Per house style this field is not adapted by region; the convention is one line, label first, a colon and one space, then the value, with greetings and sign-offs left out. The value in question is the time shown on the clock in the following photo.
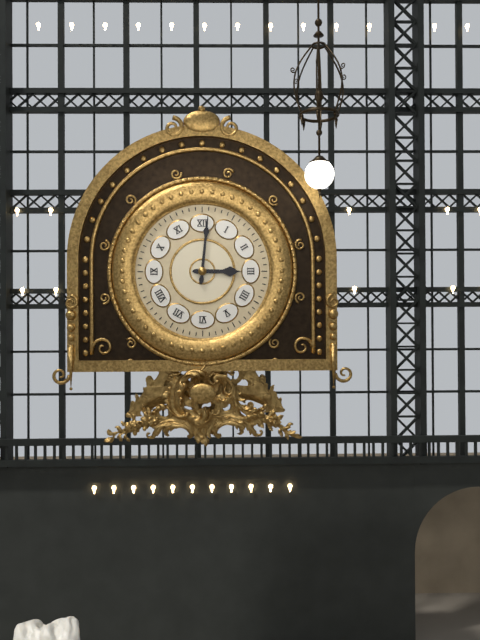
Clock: 3:01
